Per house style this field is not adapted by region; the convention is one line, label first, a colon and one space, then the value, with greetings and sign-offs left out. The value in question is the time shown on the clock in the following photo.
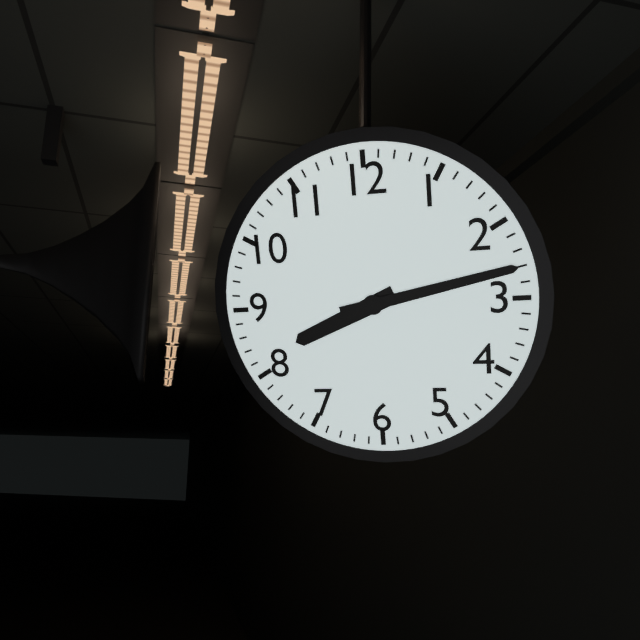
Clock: 8:13
